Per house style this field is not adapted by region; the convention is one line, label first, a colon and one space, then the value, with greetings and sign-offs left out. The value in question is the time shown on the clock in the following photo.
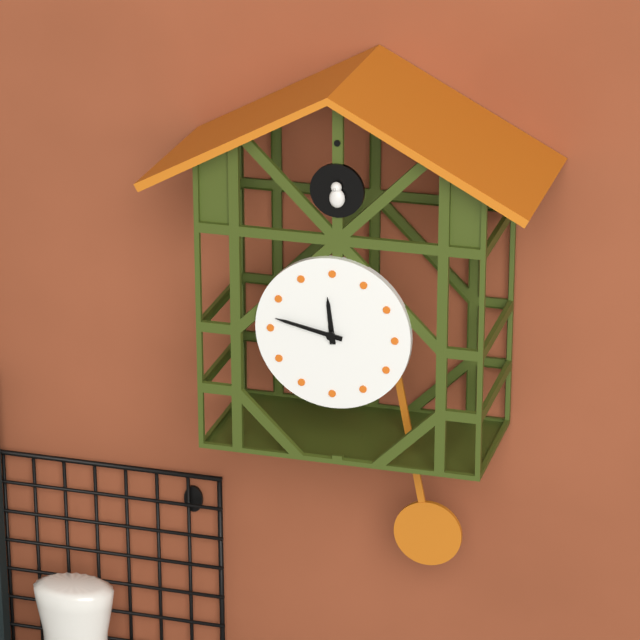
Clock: 11:47
